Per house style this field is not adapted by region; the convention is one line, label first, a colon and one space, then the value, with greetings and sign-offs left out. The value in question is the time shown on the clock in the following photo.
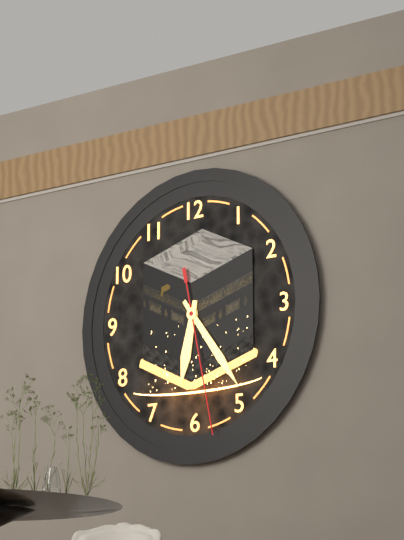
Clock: 6:24:28
